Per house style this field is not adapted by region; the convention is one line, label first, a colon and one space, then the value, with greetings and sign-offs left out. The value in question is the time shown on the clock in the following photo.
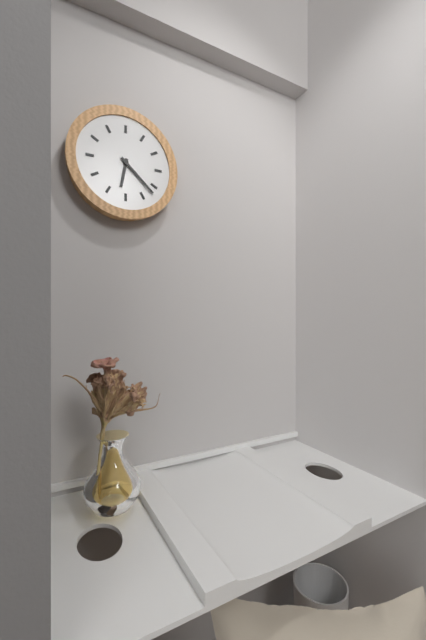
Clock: 6:22
